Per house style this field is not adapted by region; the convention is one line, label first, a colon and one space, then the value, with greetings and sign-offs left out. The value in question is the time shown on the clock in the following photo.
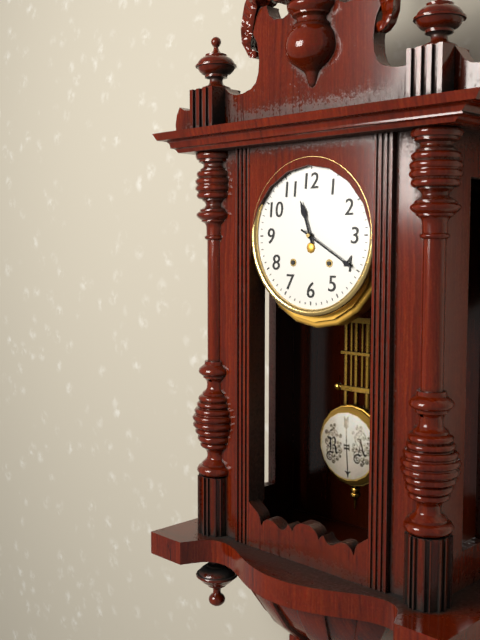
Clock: 11:20
